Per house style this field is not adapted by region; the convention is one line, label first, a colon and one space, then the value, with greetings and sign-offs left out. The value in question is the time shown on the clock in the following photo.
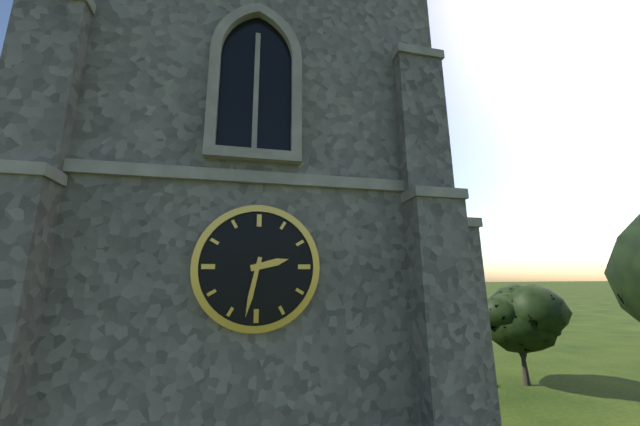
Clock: 2:32
